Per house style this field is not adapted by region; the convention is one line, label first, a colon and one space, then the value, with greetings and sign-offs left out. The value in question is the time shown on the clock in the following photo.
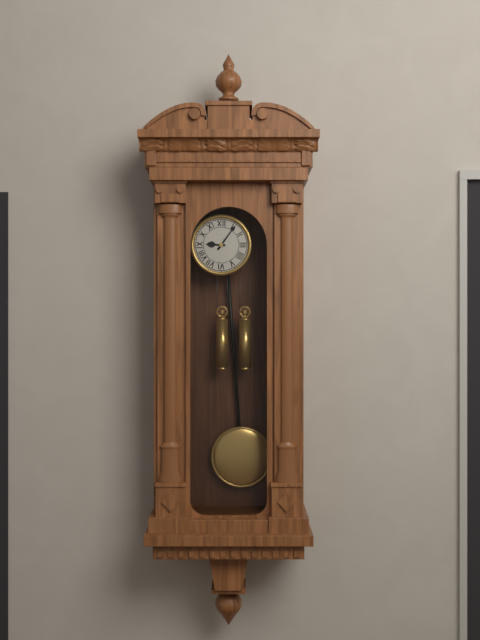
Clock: 9:06
